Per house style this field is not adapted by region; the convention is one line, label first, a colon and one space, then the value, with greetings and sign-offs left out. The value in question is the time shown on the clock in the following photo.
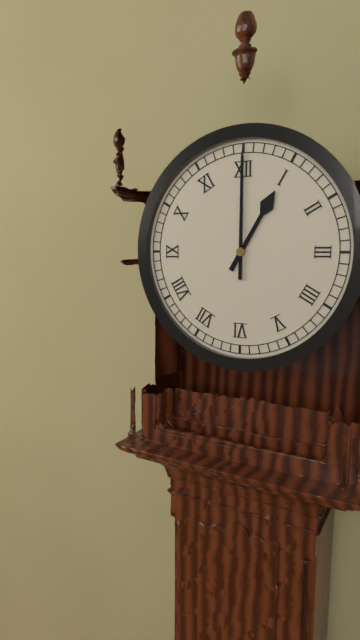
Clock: 1:00
